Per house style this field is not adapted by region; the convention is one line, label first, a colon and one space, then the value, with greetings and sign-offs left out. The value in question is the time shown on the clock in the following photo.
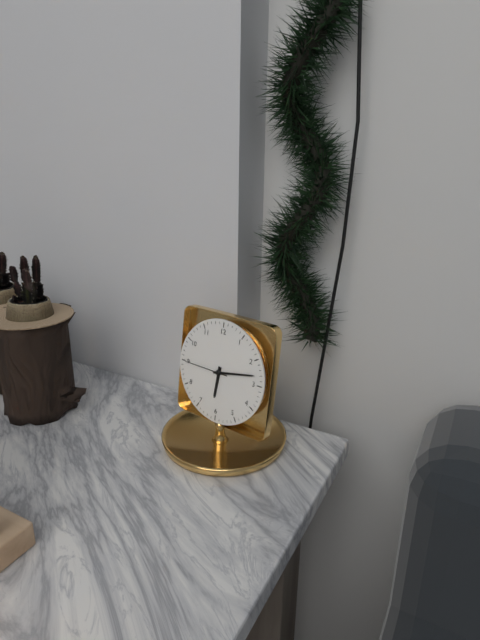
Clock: 6:13:45
